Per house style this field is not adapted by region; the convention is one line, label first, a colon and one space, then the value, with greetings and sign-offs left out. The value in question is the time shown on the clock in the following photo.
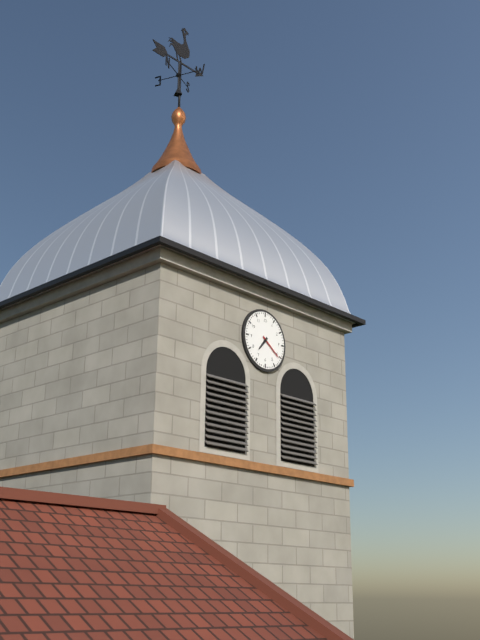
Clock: 7:21
